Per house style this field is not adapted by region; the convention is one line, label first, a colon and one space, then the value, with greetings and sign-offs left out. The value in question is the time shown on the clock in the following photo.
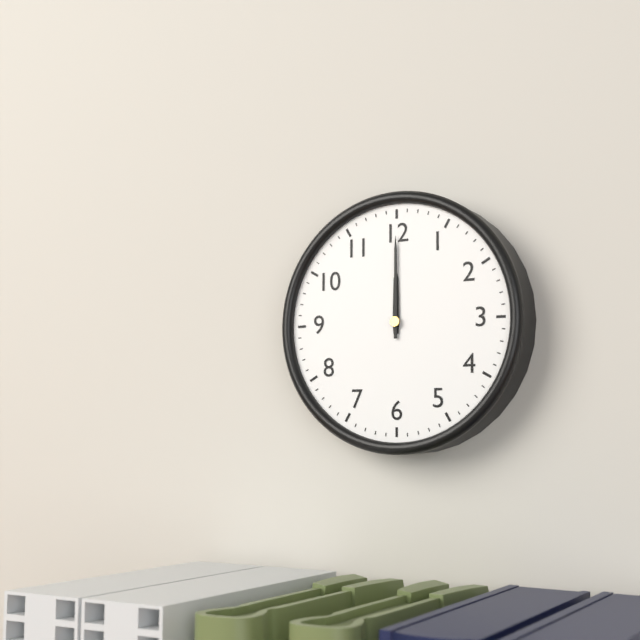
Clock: 12:00
